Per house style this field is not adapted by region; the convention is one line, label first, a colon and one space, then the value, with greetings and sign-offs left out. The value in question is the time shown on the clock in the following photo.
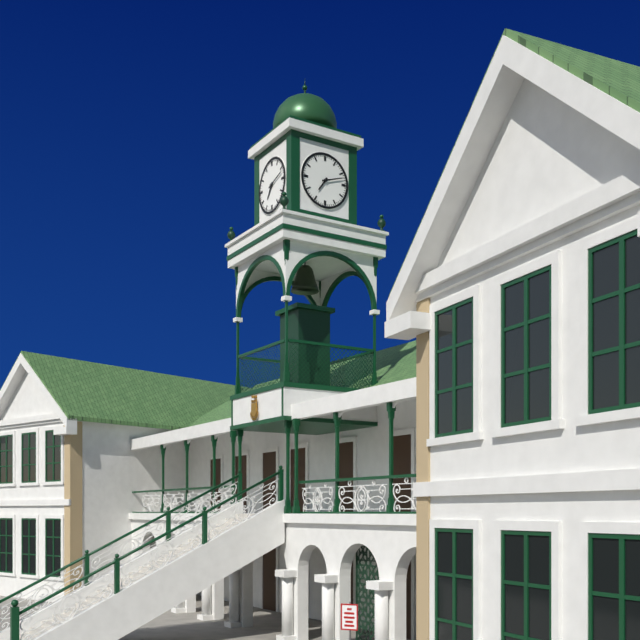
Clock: 7:12
